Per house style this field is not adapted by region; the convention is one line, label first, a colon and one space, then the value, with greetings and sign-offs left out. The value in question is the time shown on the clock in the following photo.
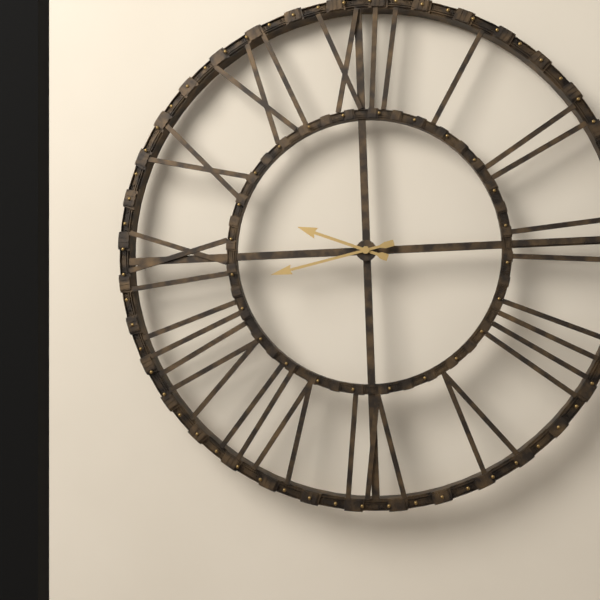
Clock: 9:43
